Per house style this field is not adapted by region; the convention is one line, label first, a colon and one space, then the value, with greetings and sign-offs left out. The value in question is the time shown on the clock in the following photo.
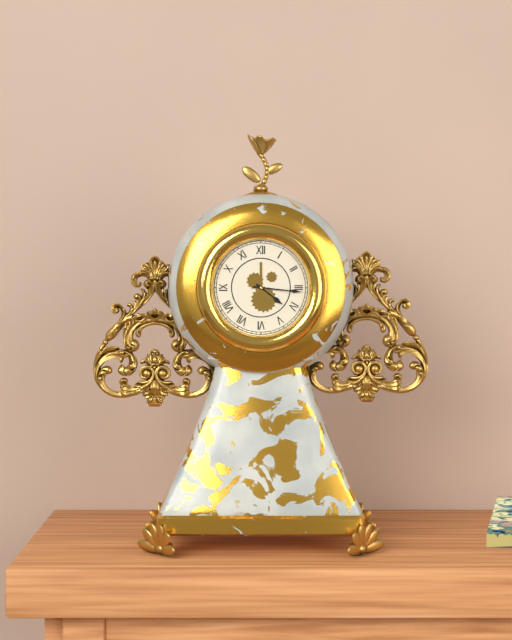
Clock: 4:16
